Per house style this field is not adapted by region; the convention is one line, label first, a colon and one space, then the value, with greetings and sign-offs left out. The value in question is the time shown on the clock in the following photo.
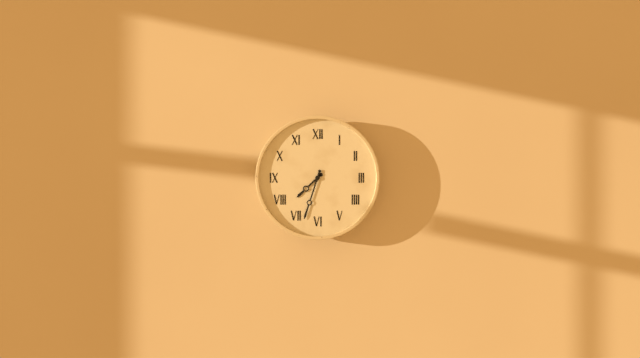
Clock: 7:33
